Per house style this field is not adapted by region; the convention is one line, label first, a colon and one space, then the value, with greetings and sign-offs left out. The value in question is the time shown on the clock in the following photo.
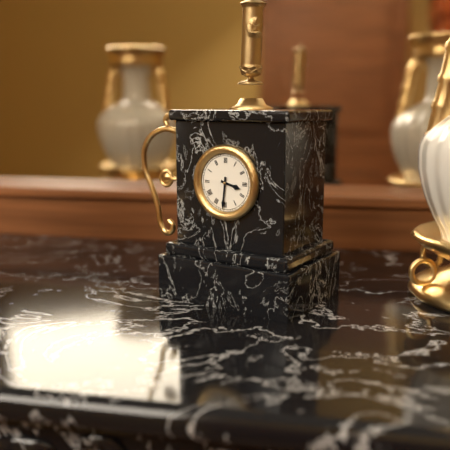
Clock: 3:31
